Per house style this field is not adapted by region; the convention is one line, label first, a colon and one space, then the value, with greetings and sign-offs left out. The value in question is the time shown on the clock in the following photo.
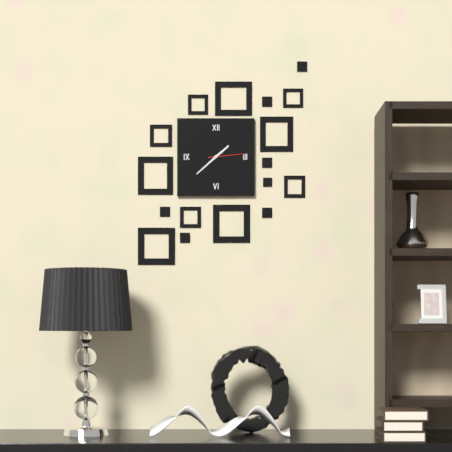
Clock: 1:38
